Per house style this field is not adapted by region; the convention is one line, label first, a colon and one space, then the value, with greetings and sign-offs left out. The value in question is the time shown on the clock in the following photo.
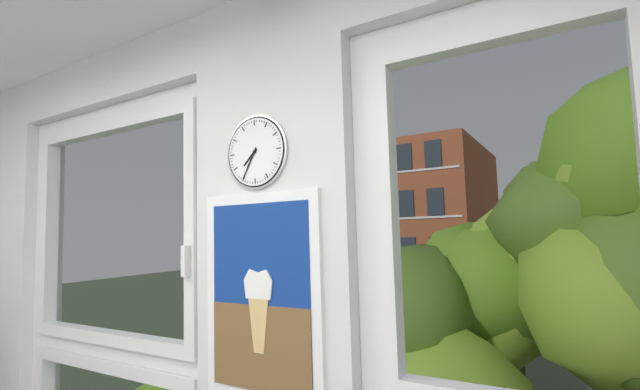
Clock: 7:35
